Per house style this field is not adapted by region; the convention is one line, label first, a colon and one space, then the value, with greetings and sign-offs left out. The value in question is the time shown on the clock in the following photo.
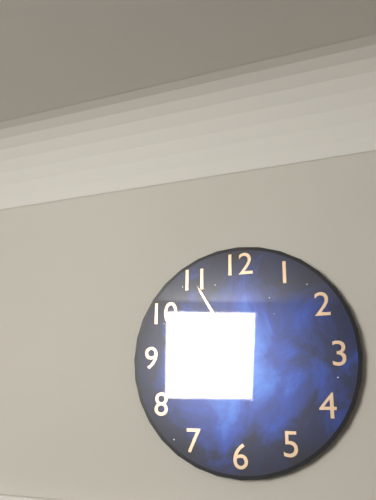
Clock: 9:55
